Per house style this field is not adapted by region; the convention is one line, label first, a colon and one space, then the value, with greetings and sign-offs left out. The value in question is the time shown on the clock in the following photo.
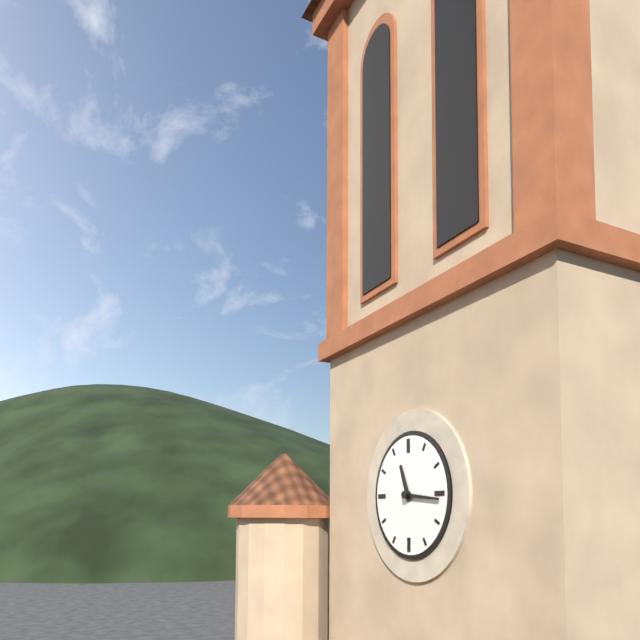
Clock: 11:16
